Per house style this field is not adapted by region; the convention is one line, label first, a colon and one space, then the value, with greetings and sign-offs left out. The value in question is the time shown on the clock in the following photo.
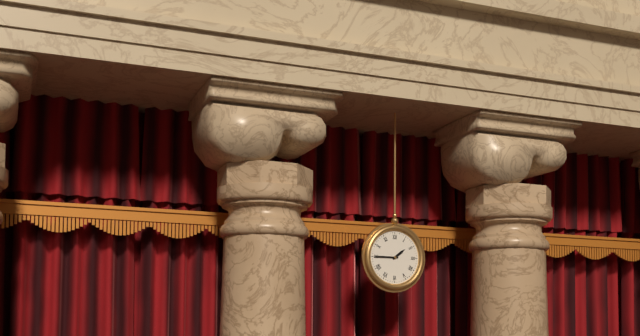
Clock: 1:45
